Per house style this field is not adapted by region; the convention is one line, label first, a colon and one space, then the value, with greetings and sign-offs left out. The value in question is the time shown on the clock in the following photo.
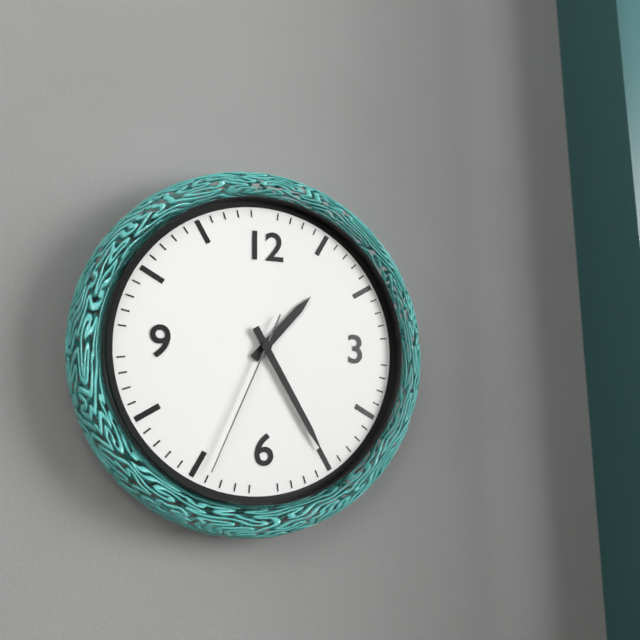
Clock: 1:25:34
